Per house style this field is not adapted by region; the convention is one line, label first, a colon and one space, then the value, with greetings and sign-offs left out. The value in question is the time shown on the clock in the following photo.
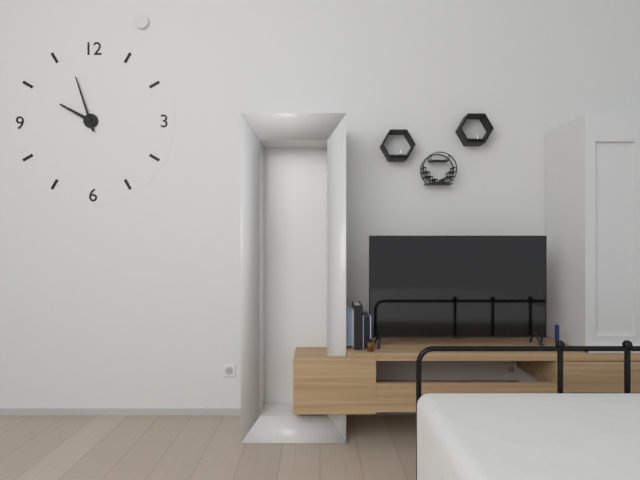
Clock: 9:57
